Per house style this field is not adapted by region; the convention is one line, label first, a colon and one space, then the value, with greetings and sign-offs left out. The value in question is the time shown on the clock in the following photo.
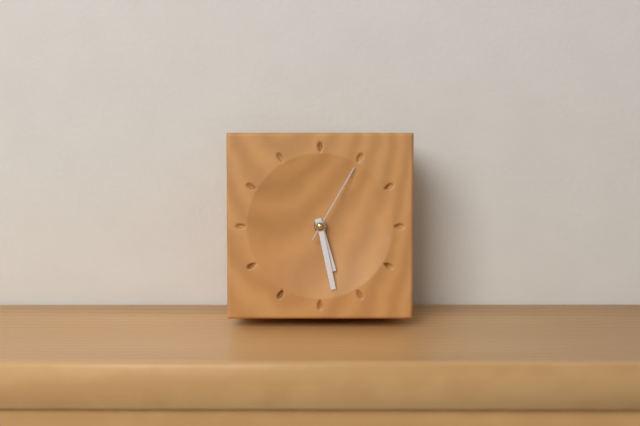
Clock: 5:28:05
